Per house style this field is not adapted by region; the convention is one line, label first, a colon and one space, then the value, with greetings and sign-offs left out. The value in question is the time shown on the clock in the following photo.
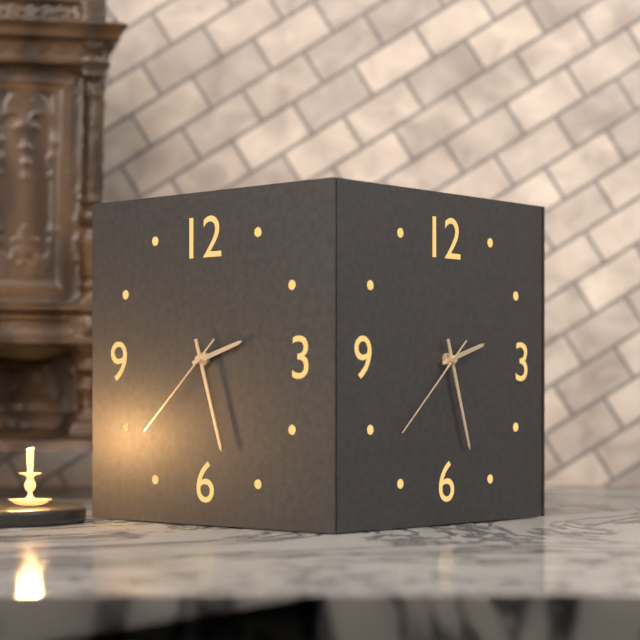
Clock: 2:27:38
